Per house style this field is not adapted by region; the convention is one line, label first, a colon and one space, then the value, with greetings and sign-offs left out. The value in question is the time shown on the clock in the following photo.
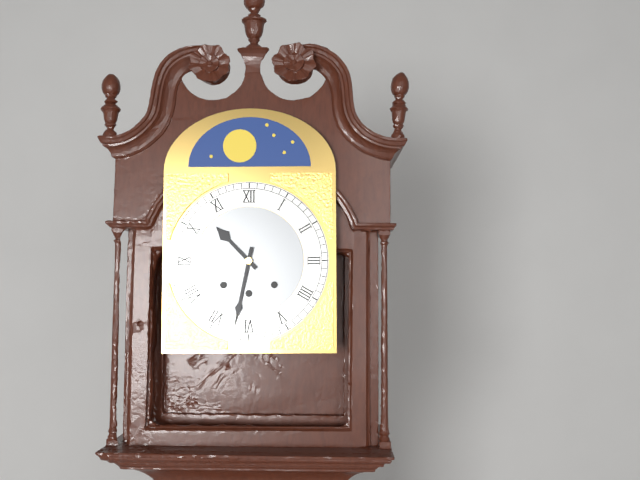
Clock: 10:32
